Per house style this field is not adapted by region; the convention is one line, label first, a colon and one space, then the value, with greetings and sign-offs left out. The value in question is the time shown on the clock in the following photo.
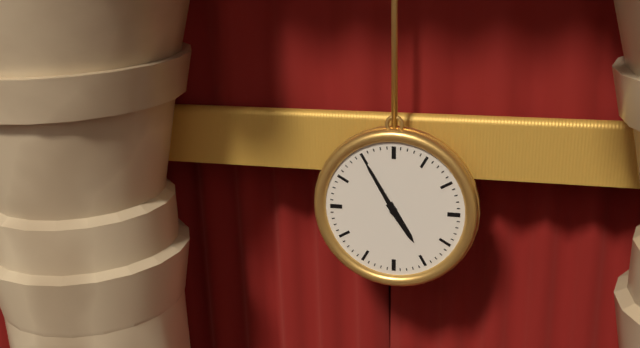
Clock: 4:55
